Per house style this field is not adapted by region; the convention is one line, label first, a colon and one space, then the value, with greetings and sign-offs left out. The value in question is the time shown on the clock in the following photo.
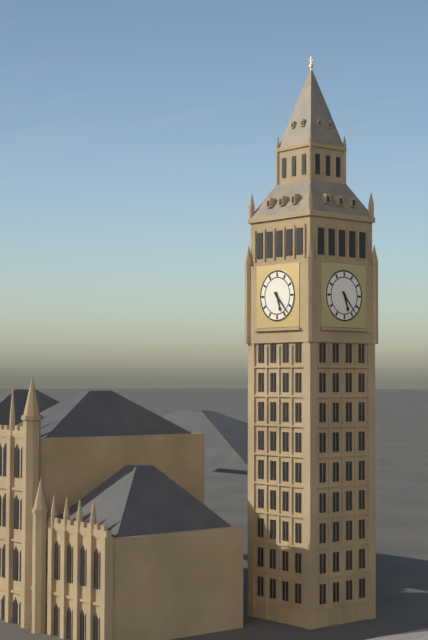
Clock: 5:23
